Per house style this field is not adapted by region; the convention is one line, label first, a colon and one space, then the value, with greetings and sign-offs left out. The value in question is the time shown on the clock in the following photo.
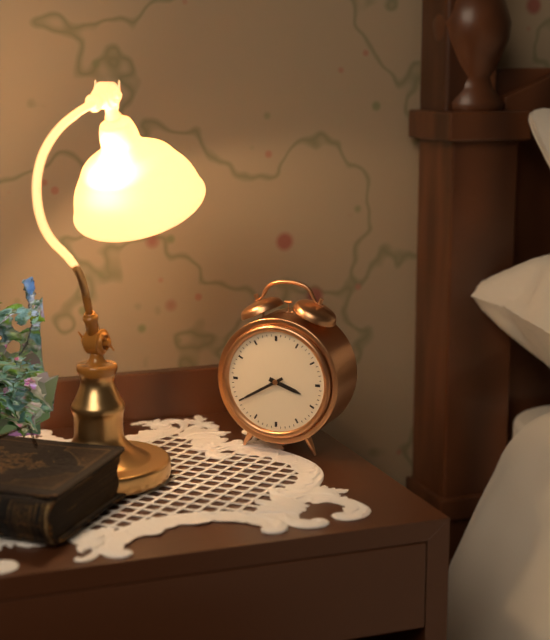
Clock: 3:40
